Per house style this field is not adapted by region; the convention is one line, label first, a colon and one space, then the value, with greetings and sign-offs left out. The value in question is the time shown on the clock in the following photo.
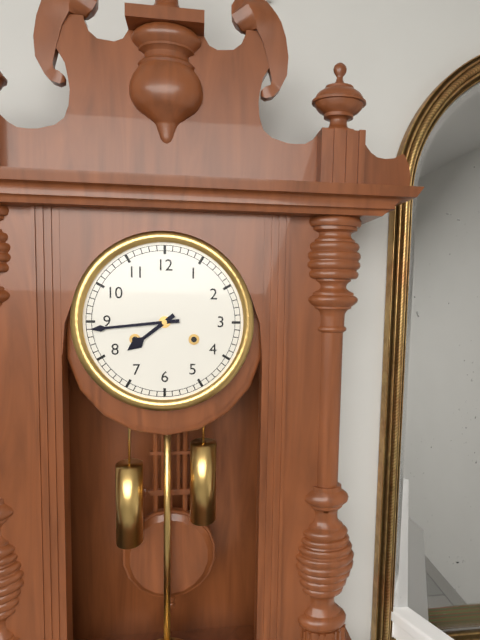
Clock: 7:44
